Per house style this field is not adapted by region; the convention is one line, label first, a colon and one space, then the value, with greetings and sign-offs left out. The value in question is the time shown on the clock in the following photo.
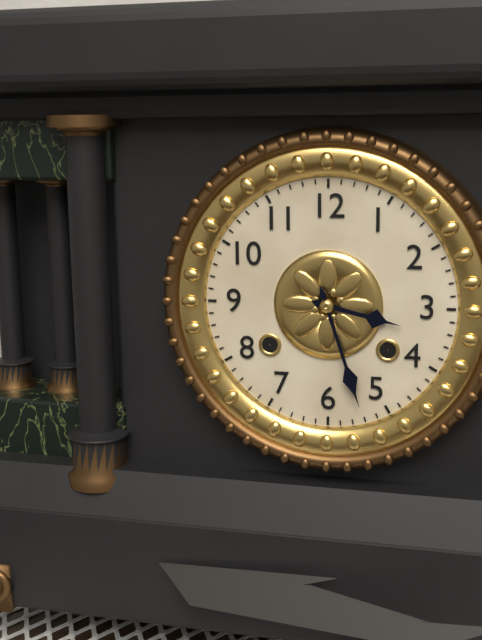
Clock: 3:27
